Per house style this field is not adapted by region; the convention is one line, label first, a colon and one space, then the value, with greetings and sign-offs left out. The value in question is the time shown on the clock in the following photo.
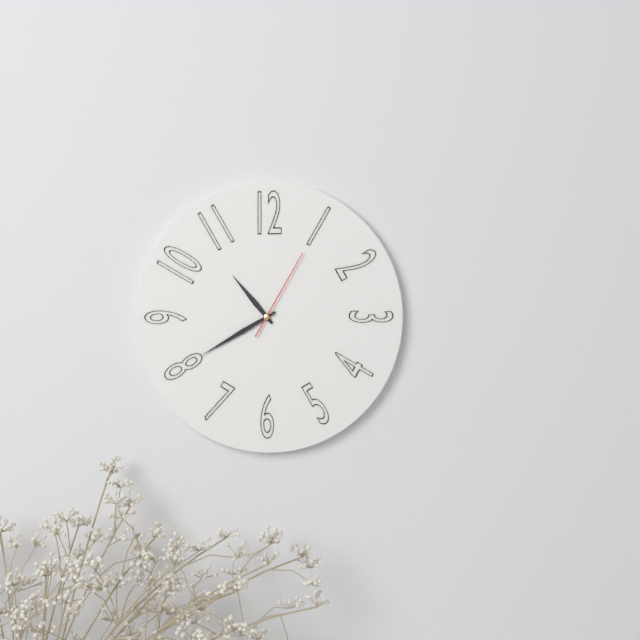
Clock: 10:40:05
